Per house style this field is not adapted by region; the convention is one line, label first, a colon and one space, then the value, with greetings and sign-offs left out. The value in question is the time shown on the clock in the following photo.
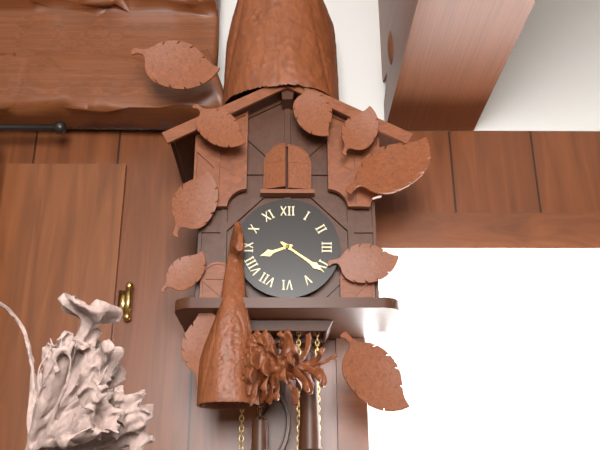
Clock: 8:21
